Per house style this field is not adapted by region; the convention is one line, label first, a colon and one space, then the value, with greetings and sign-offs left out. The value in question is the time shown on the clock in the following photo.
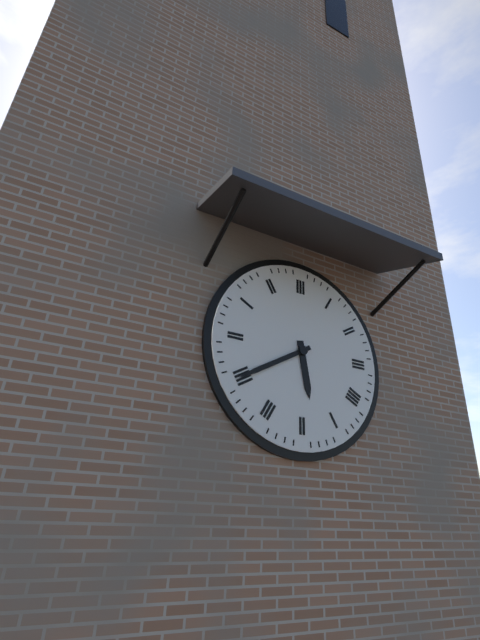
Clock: 5:40
